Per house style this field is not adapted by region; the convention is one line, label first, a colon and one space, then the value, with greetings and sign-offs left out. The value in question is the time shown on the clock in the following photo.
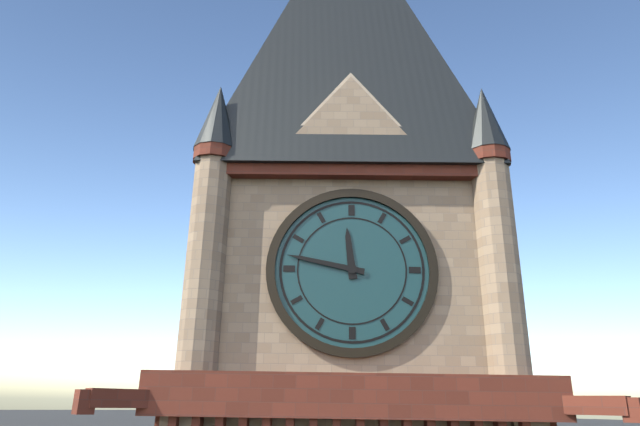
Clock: 11:47
